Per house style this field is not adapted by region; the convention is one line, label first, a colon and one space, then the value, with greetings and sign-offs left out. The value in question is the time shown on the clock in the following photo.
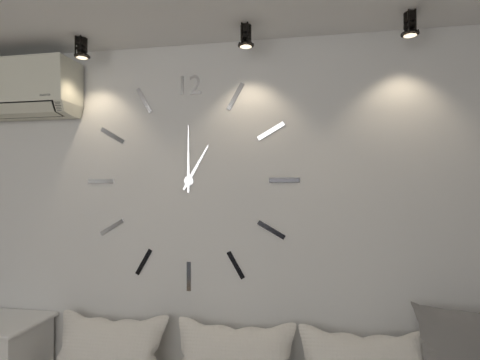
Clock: 1:00
